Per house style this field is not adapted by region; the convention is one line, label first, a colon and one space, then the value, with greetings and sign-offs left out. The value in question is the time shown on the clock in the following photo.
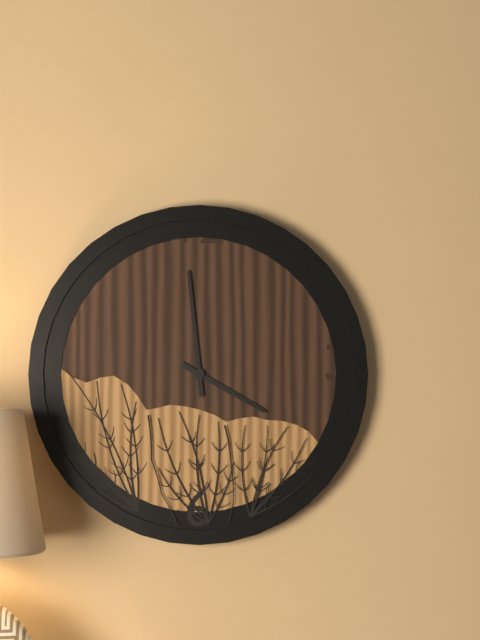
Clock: 3:59
